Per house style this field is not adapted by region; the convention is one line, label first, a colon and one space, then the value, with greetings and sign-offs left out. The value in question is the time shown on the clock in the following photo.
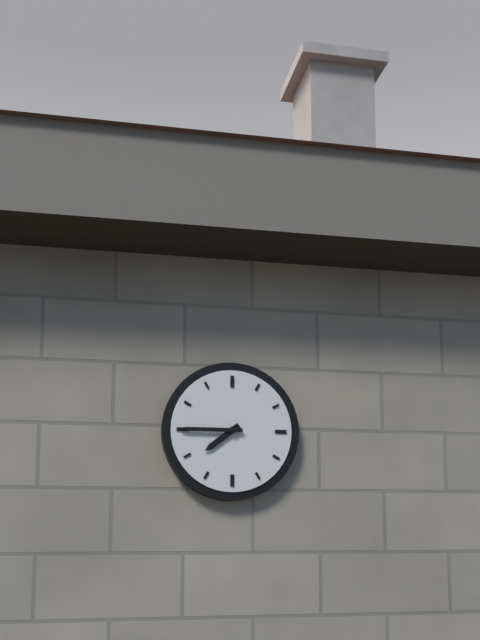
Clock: 7:45
